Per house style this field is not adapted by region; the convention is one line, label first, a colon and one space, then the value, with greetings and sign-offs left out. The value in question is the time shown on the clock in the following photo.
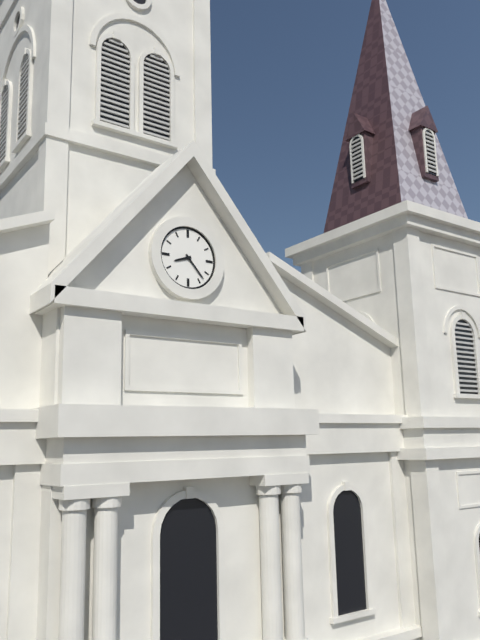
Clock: 8:23
